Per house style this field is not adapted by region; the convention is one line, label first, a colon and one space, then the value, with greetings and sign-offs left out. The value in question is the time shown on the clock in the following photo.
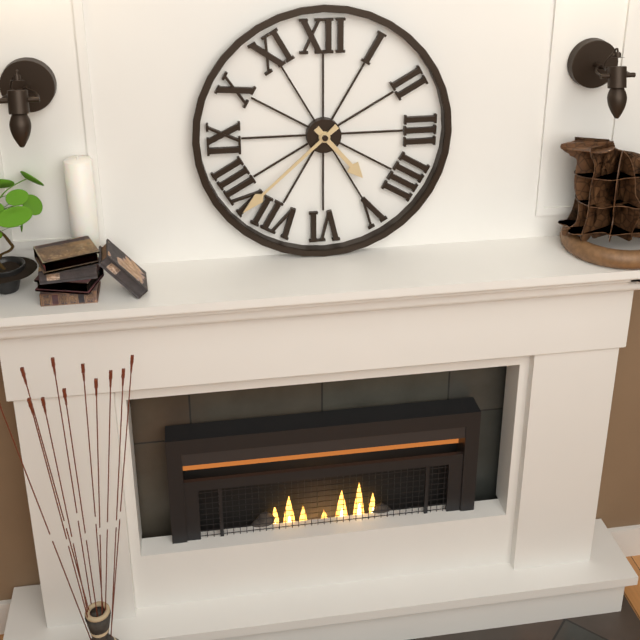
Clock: 4:38
